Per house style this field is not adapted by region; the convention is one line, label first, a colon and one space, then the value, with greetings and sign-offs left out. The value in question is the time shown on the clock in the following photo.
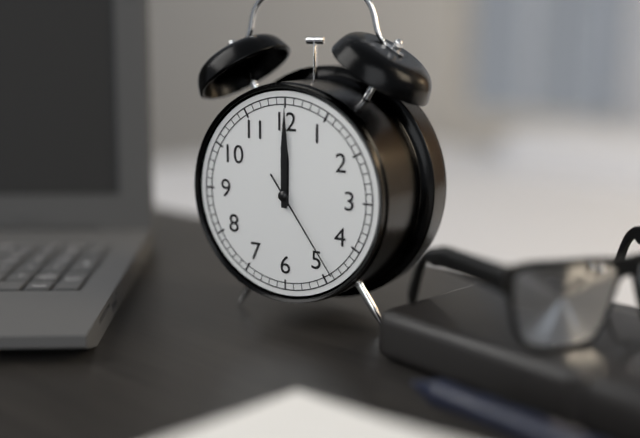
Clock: 12:00:24
